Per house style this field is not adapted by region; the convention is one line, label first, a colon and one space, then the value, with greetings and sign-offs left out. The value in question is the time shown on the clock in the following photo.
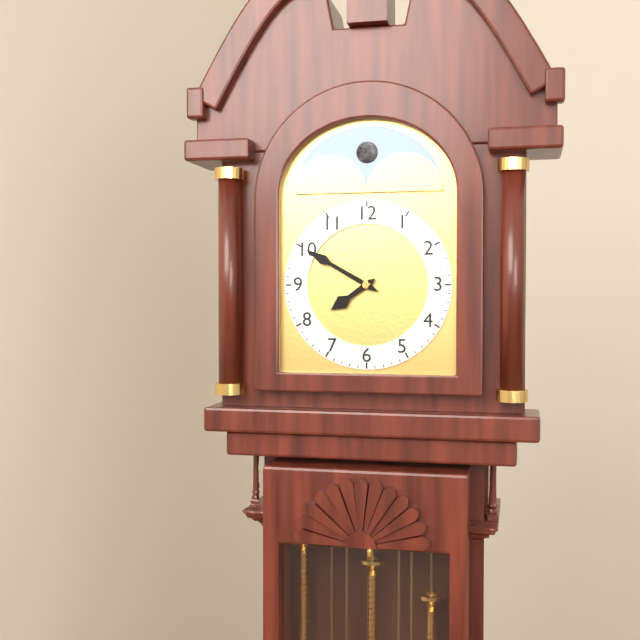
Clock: 7:50
